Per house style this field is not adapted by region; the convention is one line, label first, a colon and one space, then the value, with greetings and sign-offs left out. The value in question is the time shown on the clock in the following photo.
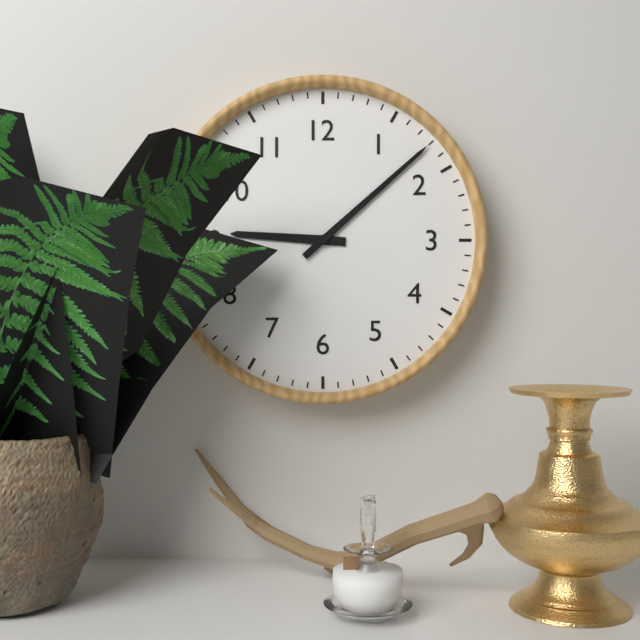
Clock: 9:08
